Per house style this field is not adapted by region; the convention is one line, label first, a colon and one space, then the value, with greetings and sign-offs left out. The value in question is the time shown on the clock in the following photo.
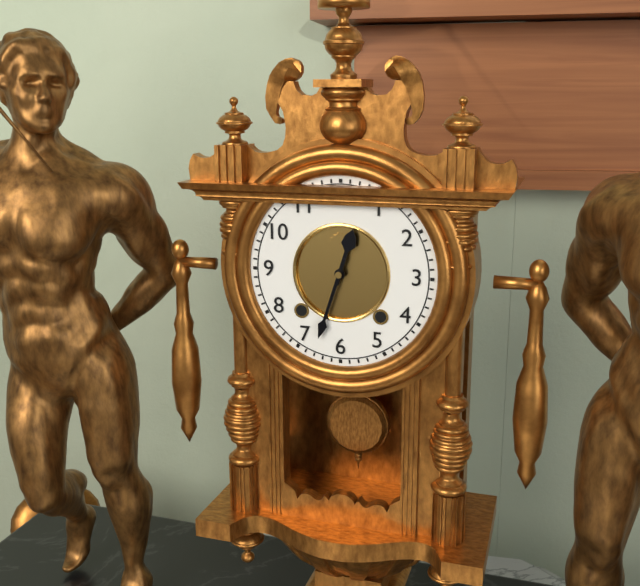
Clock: 12:33
